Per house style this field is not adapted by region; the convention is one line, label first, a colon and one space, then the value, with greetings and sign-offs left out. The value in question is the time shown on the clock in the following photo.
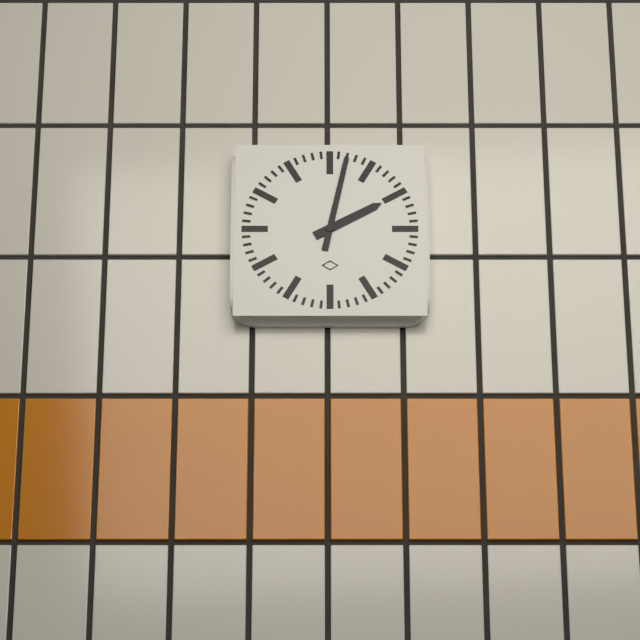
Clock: 2:02
